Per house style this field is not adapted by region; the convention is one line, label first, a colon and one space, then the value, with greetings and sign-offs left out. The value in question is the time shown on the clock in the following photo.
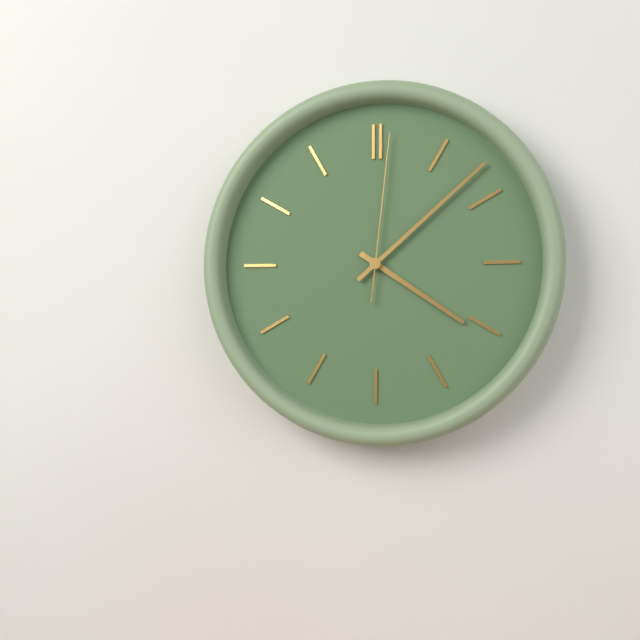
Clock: 4:08:01
